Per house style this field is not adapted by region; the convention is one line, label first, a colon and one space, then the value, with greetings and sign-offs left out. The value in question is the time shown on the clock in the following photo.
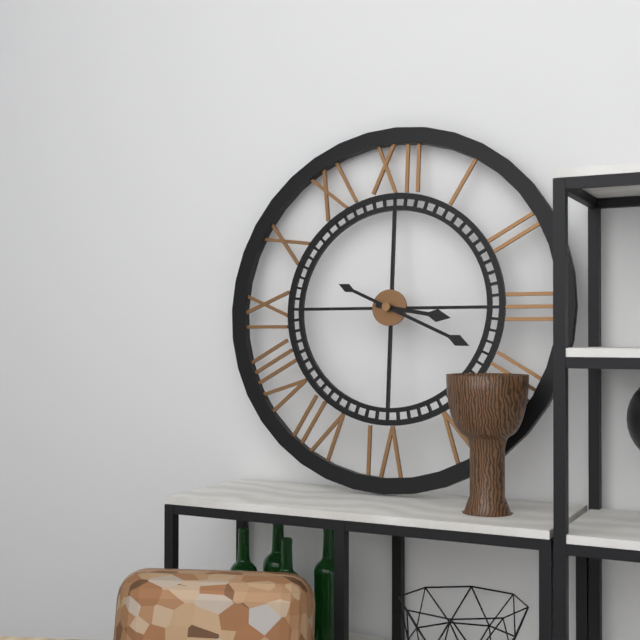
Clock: 3:19
